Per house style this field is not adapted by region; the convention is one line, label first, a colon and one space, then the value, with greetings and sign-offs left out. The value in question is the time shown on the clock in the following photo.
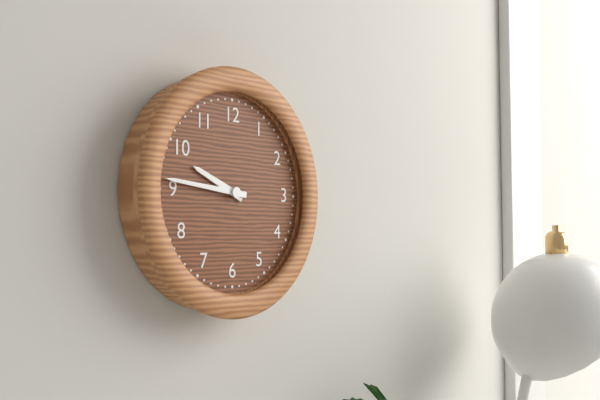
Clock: 9:46
